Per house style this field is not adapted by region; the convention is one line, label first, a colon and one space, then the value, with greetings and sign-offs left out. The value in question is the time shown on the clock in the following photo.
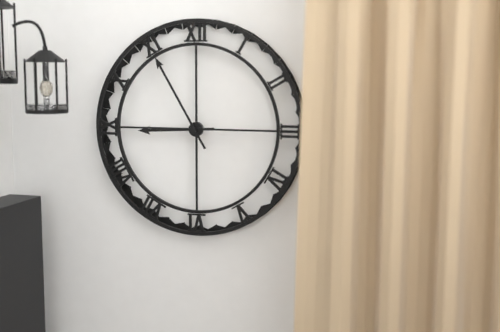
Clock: 8:55
